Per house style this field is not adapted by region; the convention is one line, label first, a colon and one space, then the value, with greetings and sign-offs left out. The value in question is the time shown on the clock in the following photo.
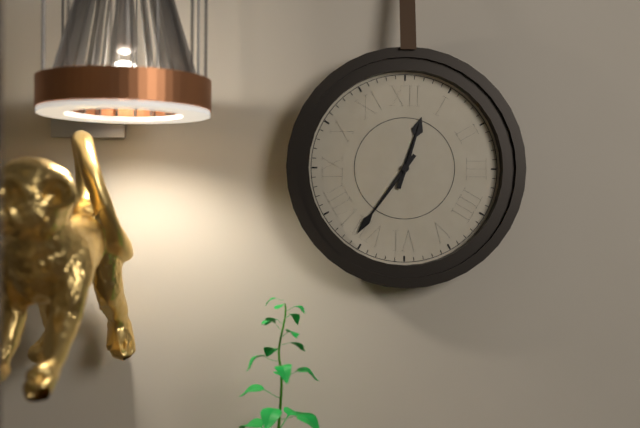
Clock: 12:36:03
